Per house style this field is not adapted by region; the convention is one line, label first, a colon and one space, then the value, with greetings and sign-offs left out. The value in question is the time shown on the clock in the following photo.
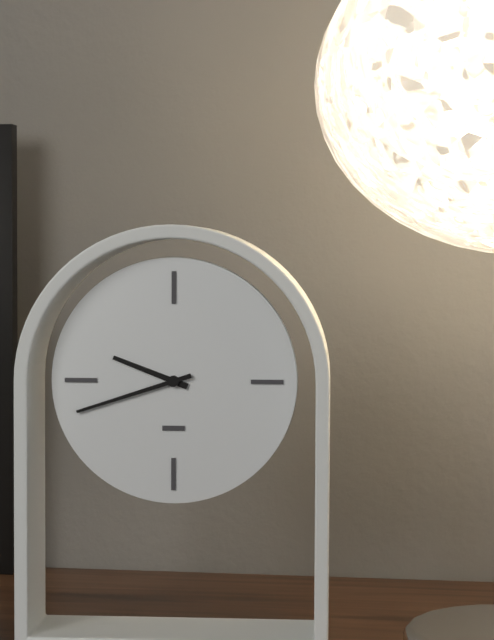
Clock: 9:42
